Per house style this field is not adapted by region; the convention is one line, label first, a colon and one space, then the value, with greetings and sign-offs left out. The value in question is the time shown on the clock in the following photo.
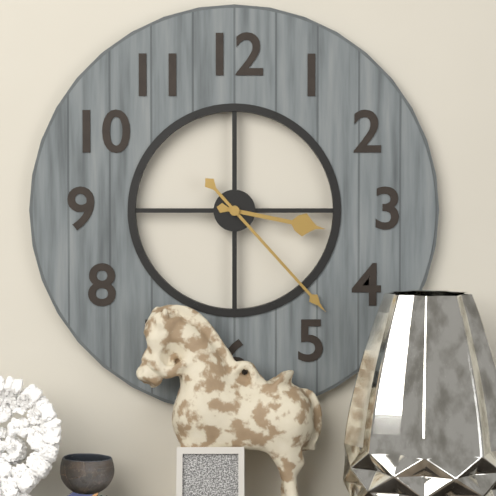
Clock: 3:23
